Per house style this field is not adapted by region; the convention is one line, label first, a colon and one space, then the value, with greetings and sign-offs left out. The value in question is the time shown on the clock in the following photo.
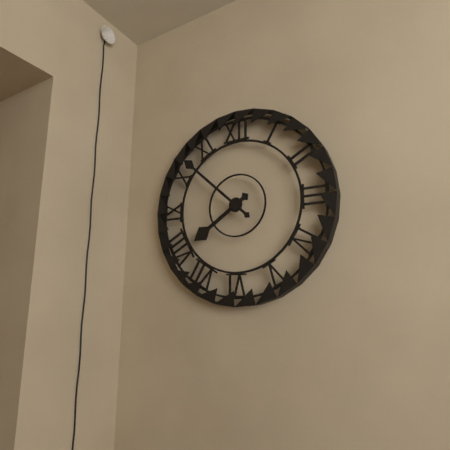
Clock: 7:52
